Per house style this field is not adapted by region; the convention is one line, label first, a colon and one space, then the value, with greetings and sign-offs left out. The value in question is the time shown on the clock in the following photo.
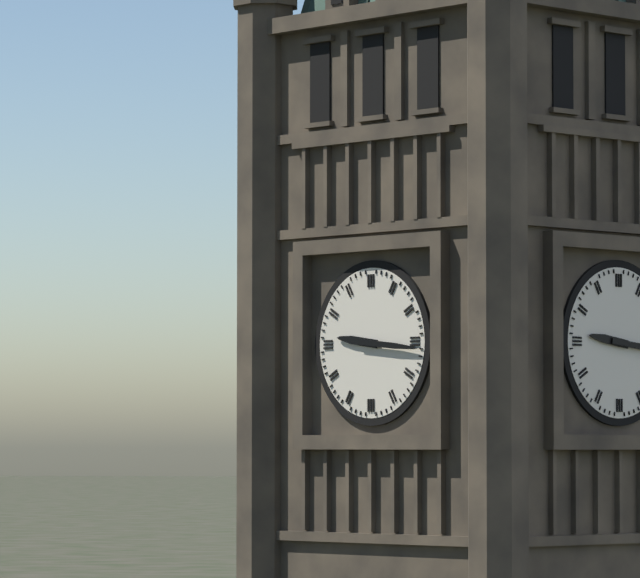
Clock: 9:16
